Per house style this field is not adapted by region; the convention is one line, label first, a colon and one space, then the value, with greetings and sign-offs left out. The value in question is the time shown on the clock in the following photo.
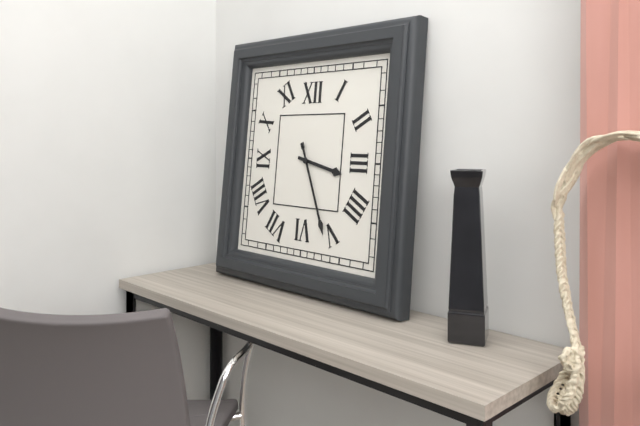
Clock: 3:26
